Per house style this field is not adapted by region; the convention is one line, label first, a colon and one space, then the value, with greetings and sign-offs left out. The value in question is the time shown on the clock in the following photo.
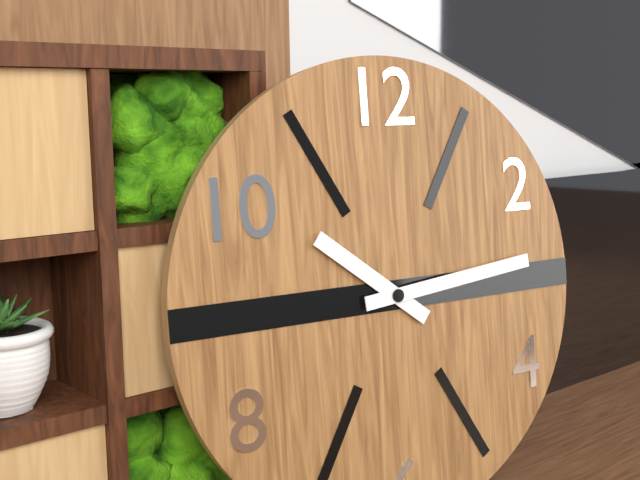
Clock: 10:14
